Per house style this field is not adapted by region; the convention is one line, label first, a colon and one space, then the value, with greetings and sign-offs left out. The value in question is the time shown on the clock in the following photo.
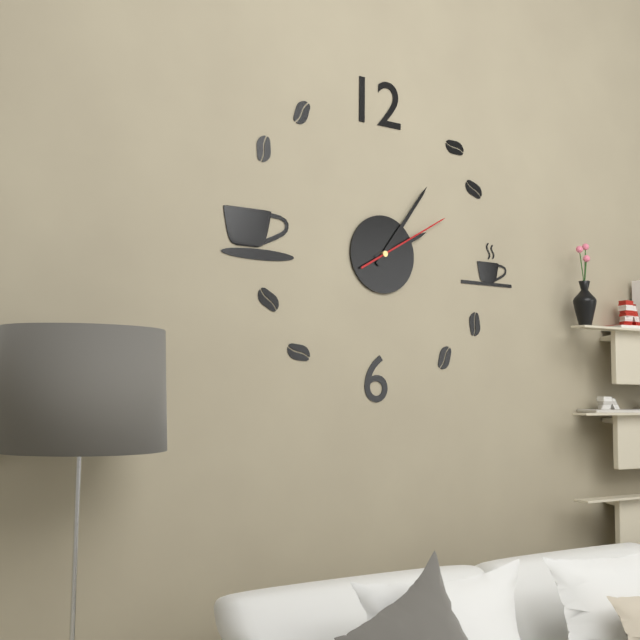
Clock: 2:06:10
